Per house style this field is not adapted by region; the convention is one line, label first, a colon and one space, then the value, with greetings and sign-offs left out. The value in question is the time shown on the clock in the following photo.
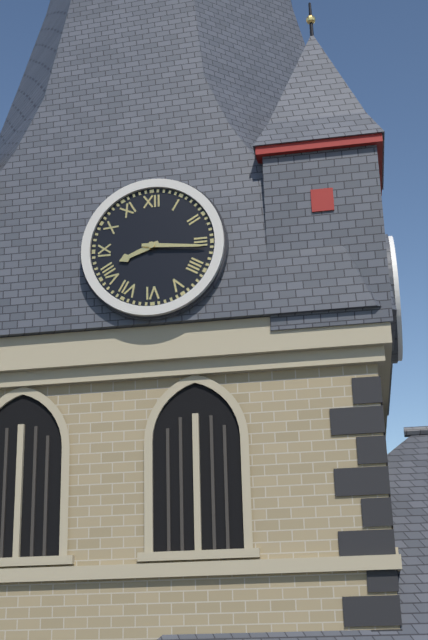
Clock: 8:16
